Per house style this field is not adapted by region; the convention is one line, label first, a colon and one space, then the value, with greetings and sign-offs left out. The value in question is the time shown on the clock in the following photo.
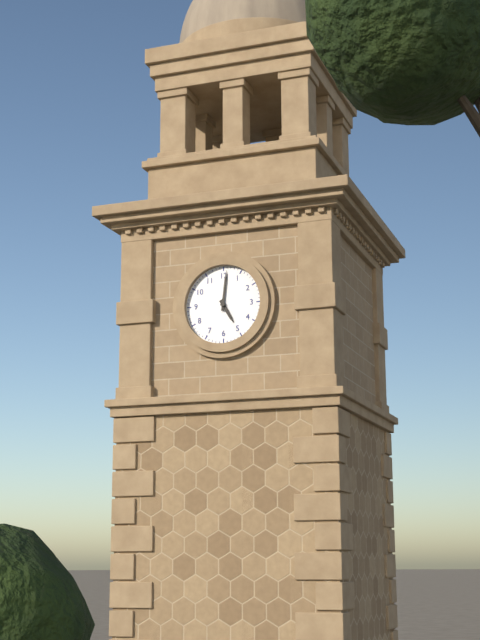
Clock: 5:01
